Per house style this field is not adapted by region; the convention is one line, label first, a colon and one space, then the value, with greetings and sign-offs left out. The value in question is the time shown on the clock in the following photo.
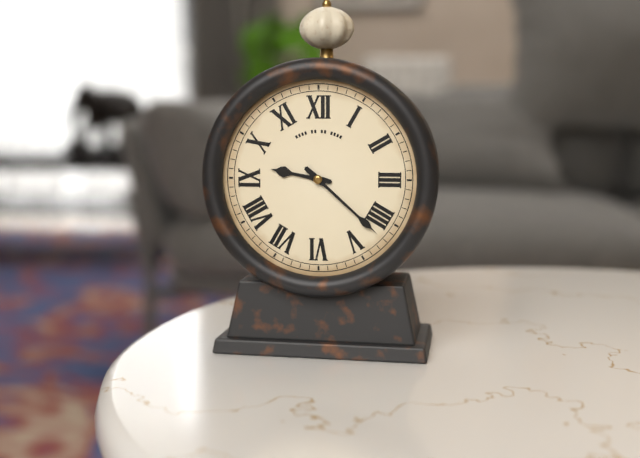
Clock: 9:22
